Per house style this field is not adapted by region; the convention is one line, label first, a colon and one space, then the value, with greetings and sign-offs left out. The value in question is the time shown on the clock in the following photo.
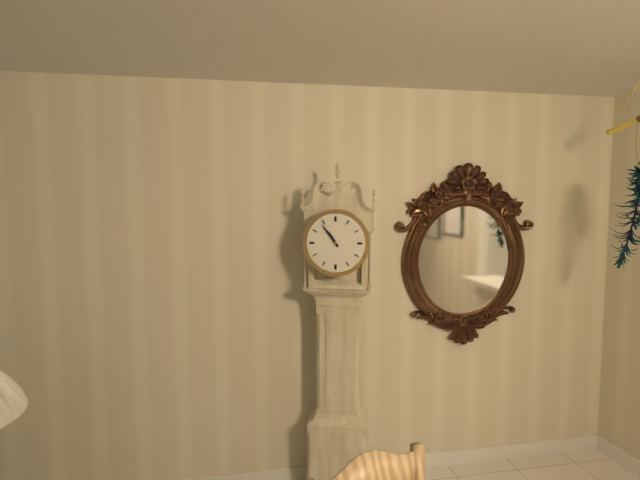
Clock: 10:54
